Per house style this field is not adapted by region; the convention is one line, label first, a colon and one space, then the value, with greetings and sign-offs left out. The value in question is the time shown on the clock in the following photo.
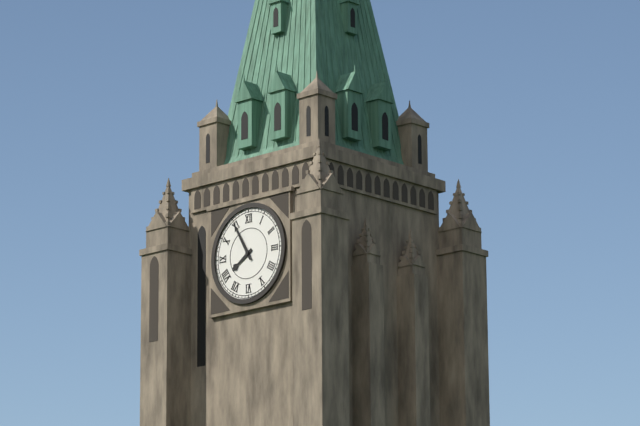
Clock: 7:55
